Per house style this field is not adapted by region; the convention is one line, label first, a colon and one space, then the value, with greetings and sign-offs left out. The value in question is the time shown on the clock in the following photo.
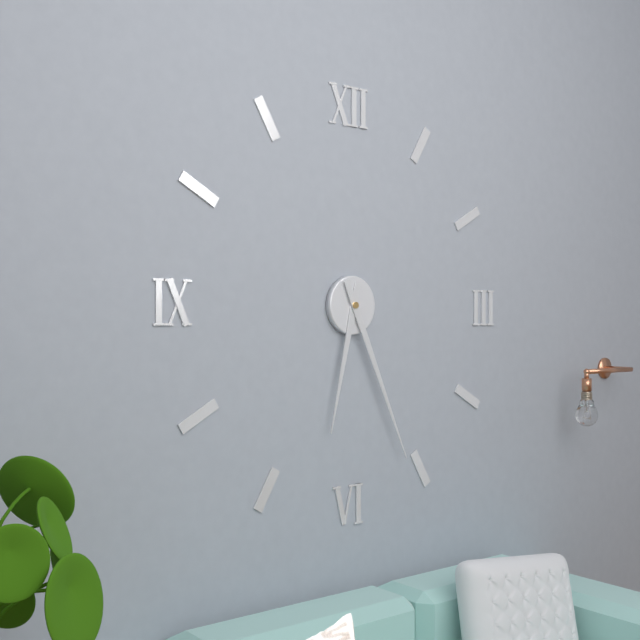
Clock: 6:26
